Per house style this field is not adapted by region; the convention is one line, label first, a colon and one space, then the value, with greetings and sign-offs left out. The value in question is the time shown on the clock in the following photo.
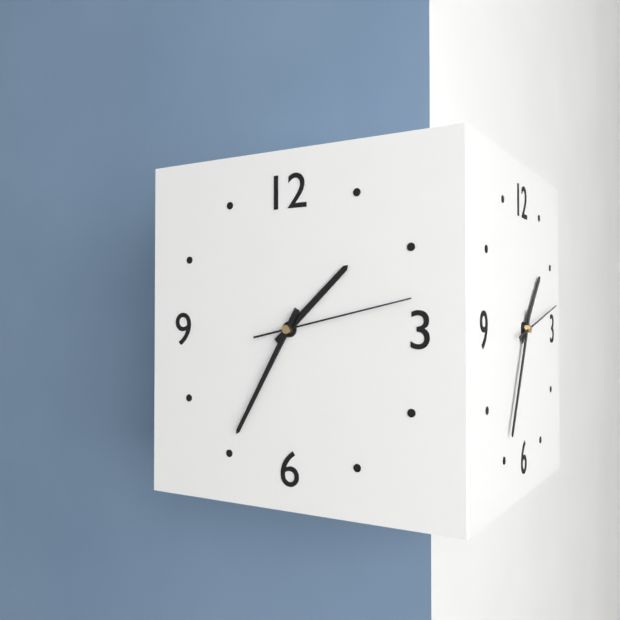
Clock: 1:35:13
